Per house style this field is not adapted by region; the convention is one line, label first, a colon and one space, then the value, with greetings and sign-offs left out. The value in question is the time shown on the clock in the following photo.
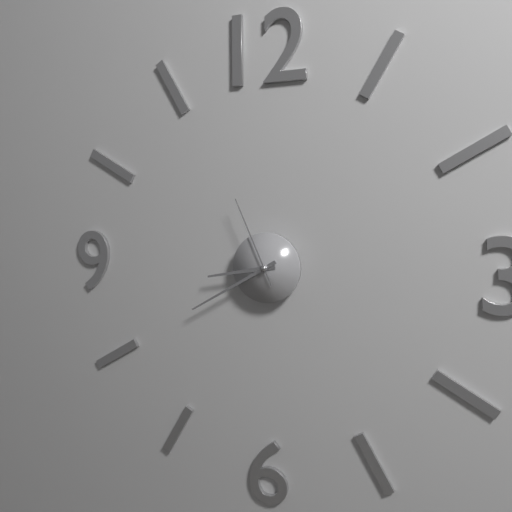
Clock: 8:40:56
